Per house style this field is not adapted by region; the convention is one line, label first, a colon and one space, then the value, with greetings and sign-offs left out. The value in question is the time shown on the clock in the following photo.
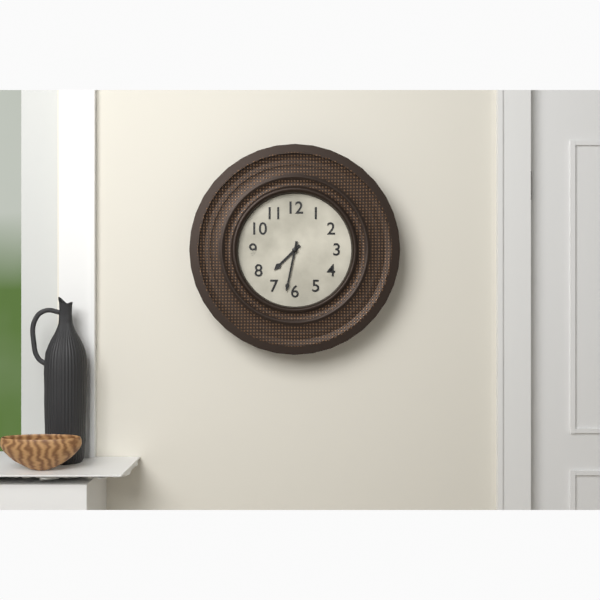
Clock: 7:32
